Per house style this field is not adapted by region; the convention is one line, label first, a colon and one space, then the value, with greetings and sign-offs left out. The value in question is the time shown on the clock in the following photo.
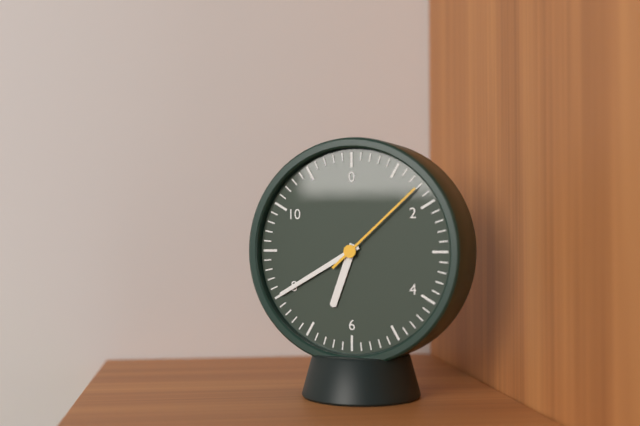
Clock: 6:40:08
